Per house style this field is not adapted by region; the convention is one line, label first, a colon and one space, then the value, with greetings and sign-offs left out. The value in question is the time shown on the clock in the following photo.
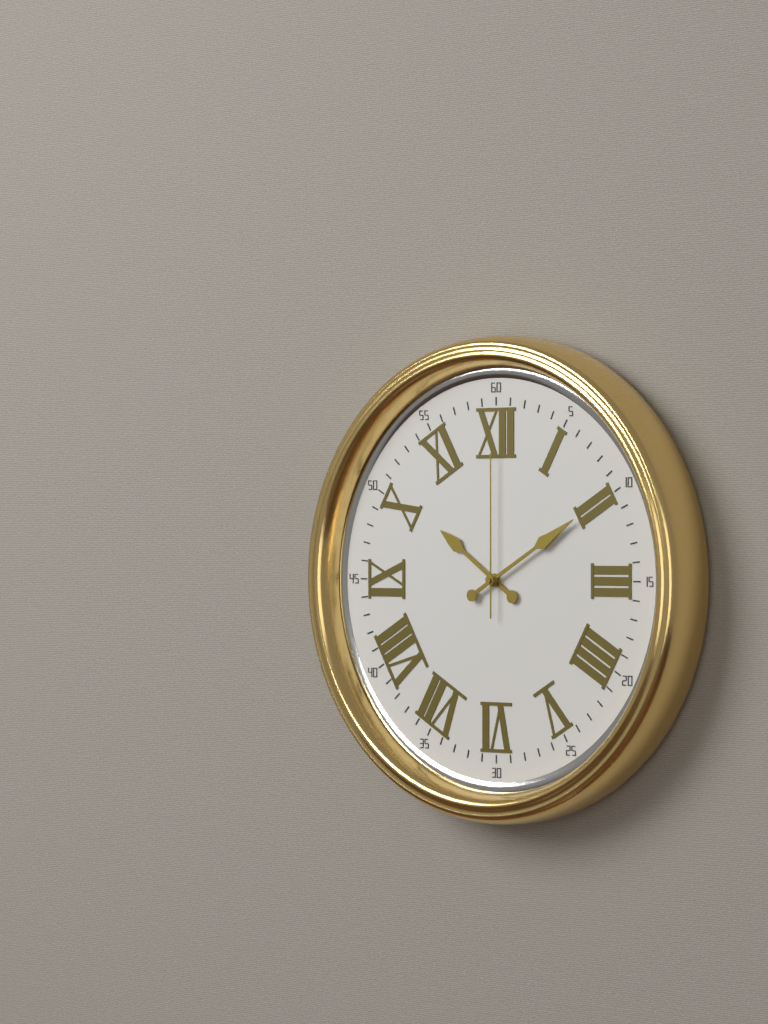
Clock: 10:10:00
